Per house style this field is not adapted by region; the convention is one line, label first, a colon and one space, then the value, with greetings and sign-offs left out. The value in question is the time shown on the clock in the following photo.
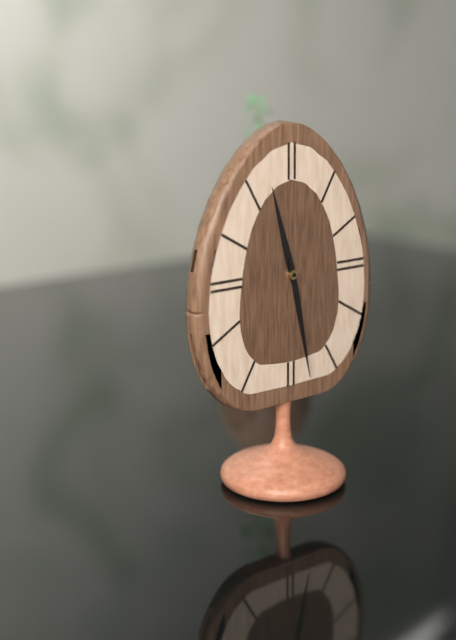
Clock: 11:28
